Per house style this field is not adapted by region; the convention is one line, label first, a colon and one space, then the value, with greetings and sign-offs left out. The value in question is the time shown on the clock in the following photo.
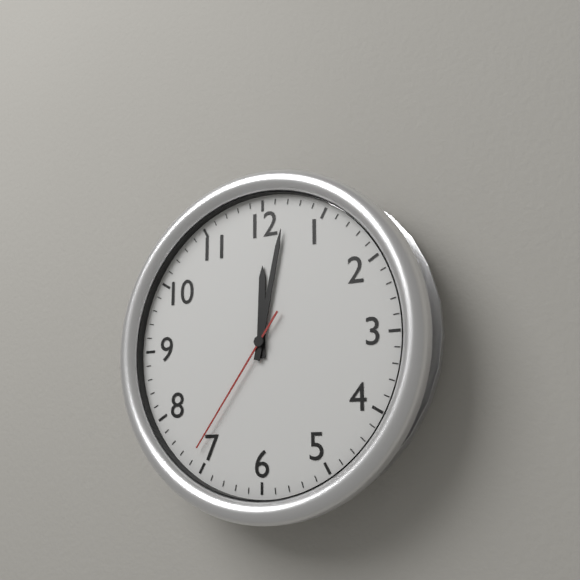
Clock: 12:02:36
